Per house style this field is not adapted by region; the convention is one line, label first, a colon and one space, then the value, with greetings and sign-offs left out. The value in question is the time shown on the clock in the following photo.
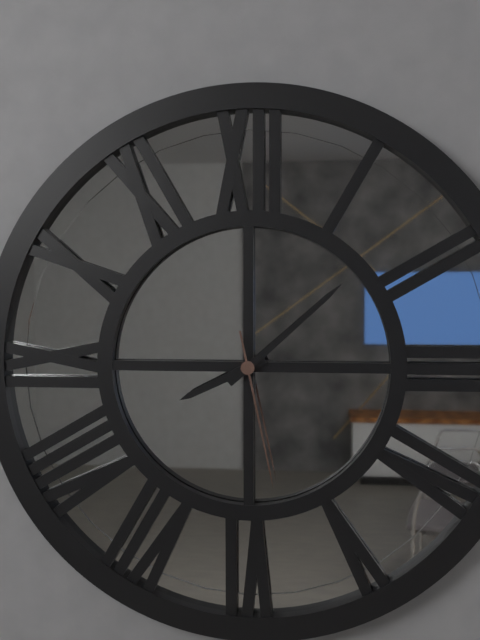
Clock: 8:08:28
